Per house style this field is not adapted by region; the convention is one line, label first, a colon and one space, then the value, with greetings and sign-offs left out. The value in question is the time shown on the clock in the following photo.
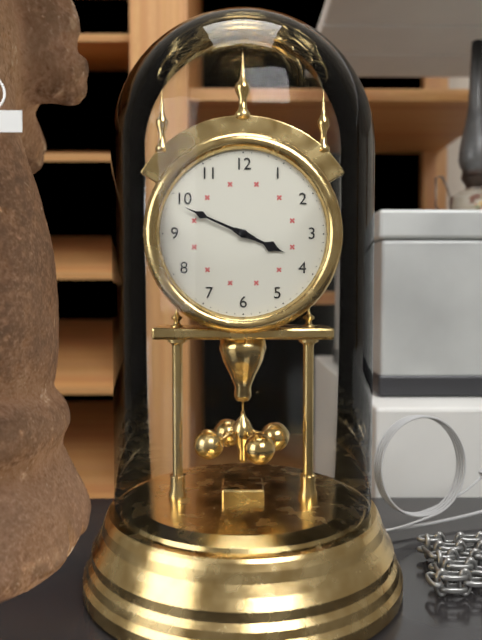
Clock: 3:49
